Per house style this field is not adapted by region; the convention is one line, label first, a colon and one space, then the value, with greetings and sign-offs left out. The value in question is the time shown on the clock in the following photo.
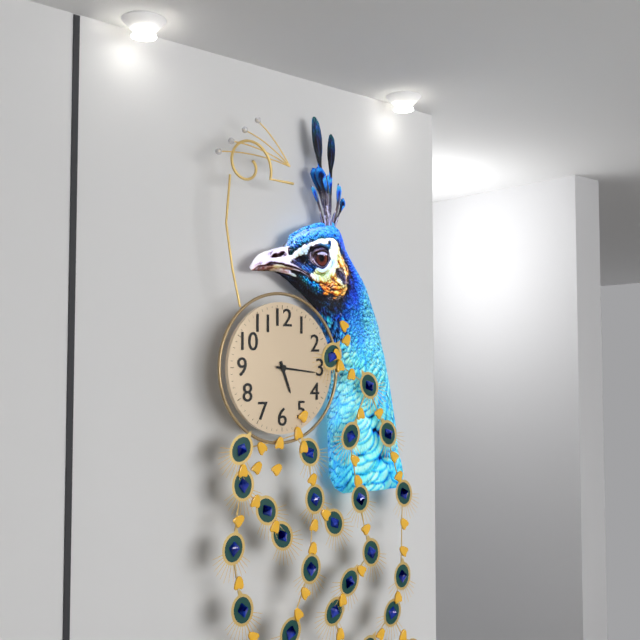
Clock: 5:16
